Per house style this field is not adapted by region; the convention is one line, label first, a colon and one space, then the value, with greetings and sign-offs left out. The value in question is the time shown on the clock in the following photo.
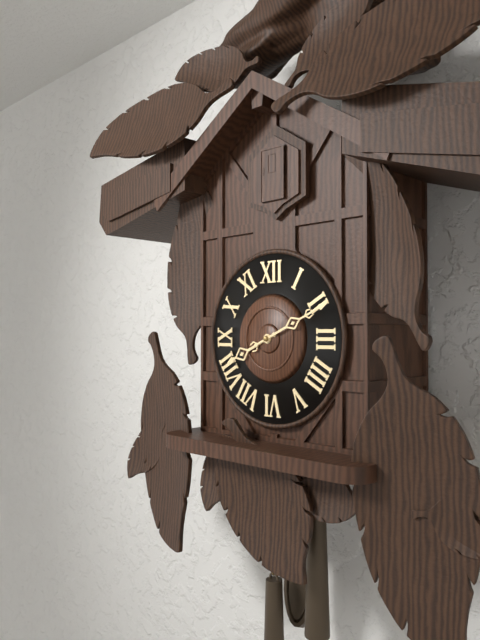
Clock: 8:11
